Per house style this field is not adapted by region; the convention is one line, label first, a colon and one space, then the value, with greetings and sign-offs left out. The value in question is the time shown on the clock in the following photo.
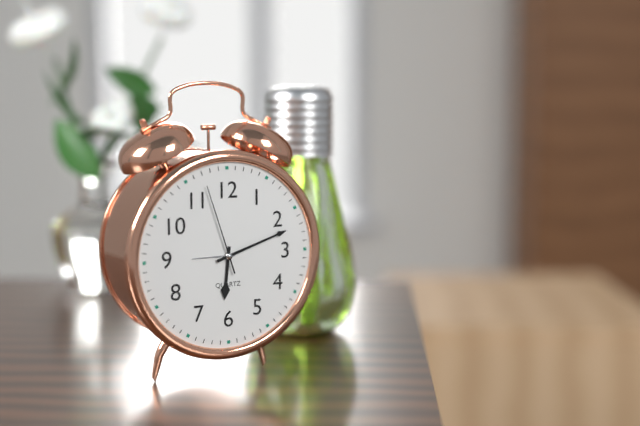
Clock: 6:12:57
